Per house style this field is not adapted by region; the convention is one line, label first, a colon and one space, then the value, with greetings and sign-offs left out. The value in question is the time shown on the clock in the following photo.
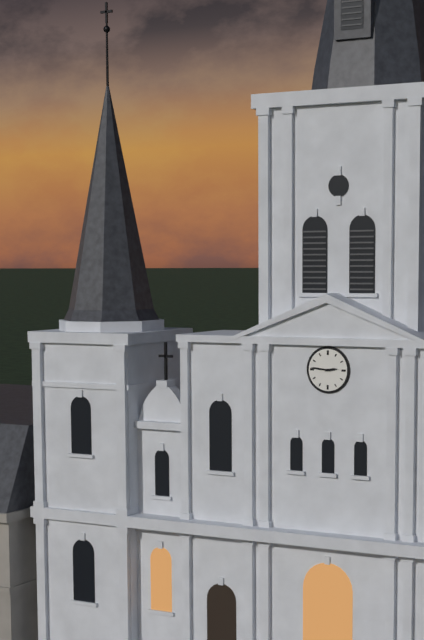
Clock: 2:46
